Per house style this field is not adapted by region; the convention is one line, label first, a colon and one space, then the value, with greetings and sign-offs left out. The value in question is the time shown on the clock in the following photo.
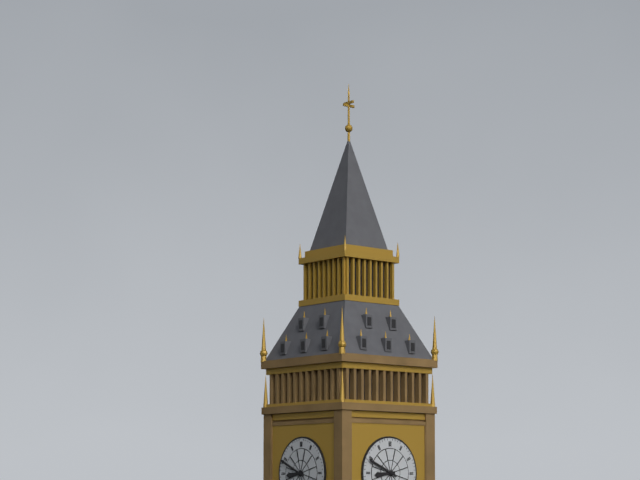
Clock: 8:49
